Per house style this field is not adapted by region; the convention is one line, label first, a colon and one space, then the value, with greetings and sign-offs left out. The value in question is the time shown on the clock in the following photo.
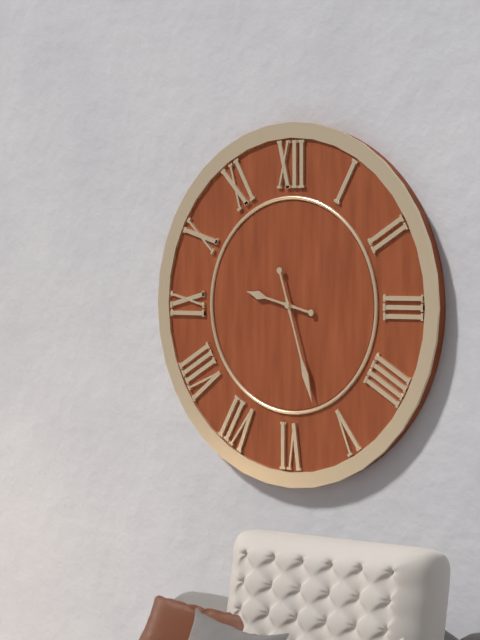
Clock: 9:27
